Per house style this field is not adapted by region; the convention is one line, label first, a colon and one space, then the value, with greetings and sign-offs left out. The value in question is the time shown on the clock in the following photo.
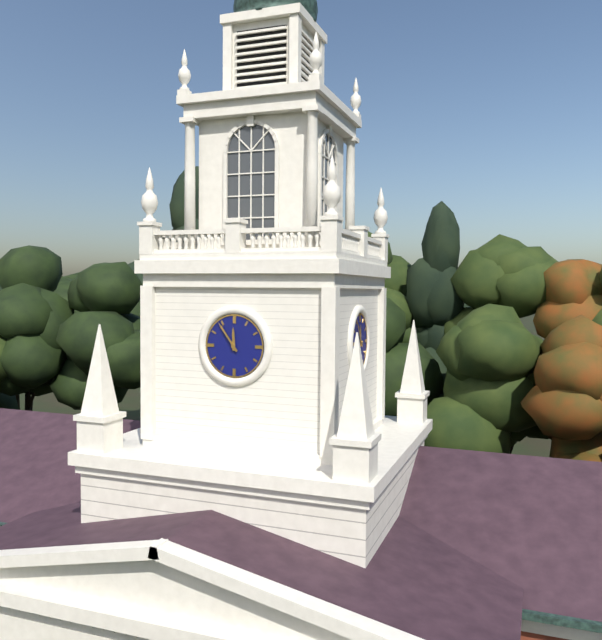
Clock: 11:54
